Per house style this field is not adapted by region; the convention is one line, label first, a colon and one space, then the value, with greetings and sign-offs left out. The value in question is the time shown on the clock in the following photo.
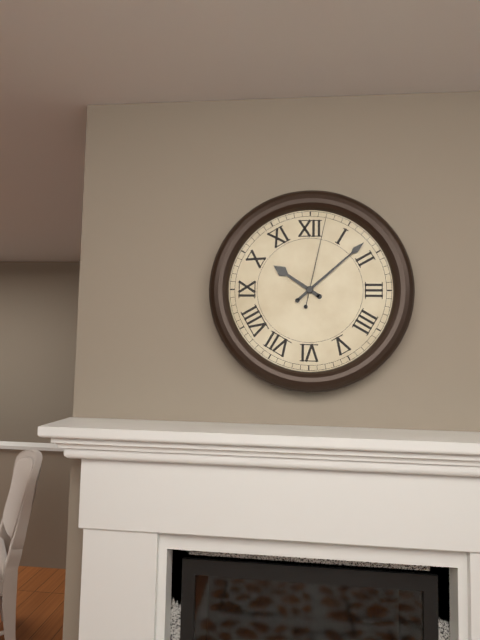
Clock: 10:08:02
